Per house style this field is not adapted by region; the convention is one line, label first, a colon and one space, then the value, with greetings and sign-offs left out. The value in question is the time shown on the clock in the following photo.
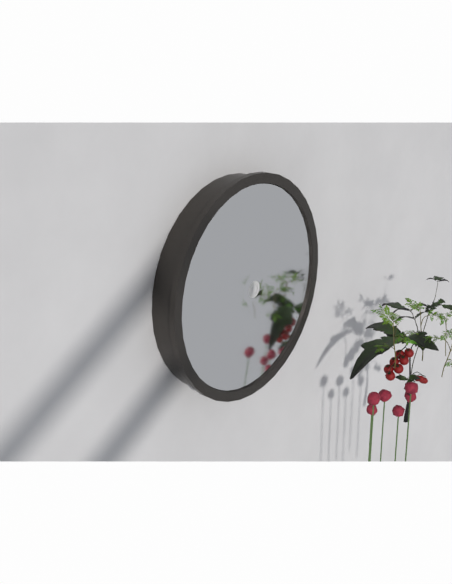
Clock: 11:03
